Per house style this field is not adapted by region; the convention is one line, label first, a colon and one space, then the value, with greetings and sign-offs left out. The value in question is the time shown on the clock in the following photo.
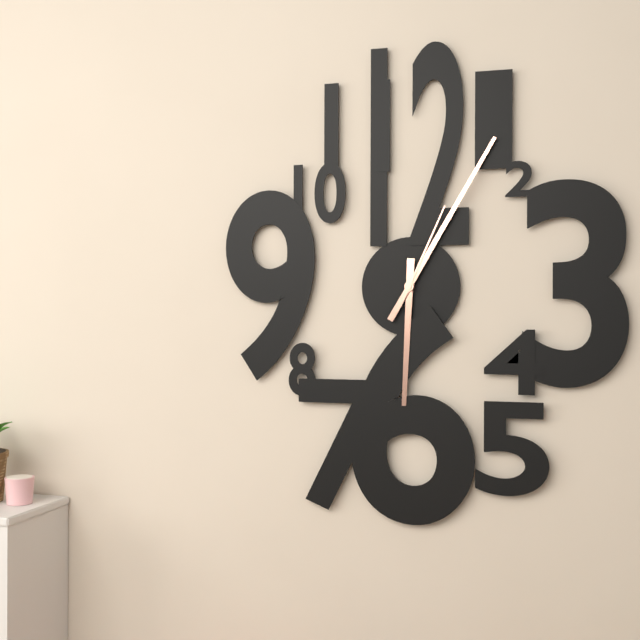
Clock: 6:05:04
